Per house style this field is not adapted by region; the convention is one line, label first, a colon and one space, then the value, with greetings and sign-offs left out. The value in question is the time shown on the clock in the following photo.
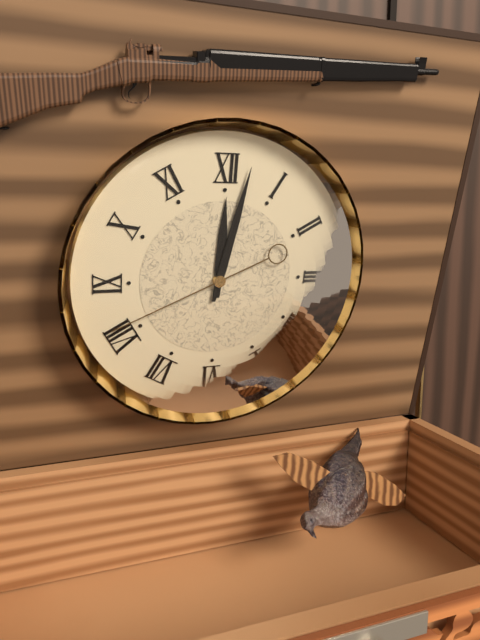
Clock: 12:02:41
